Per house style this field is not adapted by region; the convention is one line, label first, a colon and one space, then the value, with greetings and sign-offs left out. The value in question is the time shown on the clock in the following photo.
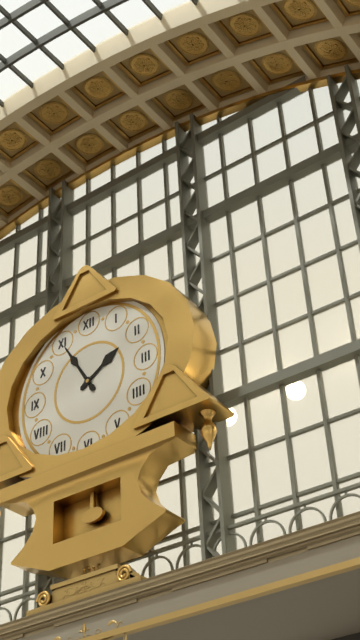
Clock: 1:55
